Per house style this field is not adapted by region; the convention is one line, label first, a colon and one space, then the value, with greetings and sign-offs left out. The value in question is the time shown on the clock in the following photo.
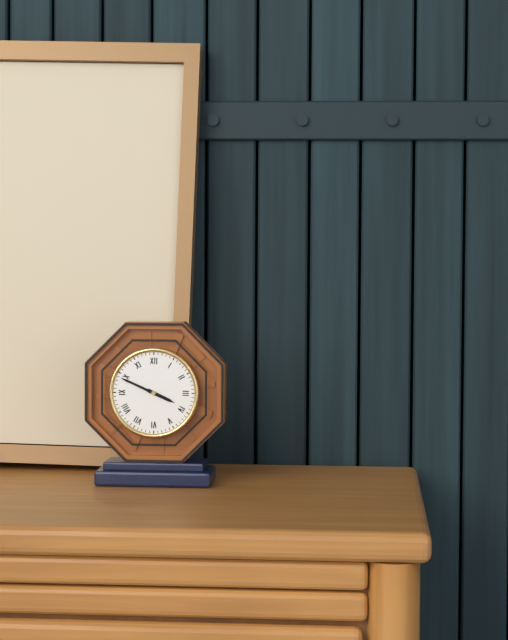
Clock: 3:49
